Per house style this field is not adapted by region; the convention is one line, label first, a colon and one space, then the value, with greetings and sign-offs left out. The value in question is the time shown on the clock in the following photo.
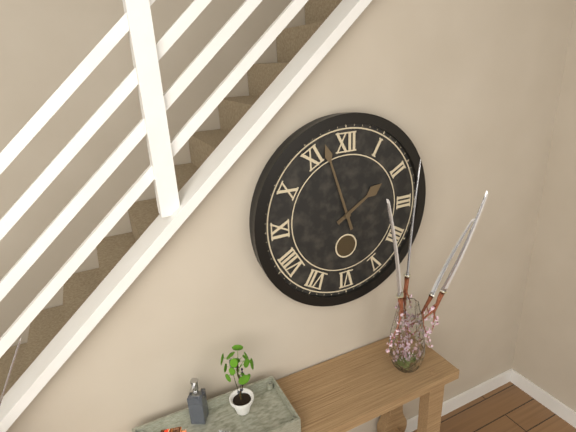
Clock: 1:57
